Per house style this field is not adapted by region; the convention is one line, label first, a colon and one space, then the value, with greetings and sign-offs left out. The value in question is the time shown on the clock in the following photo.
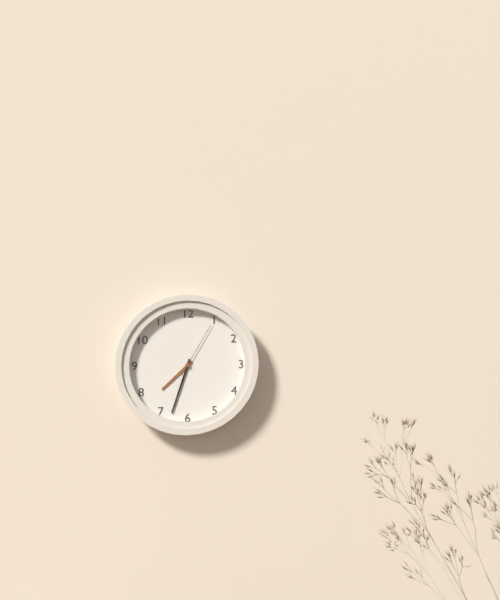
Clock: 7:33:05
